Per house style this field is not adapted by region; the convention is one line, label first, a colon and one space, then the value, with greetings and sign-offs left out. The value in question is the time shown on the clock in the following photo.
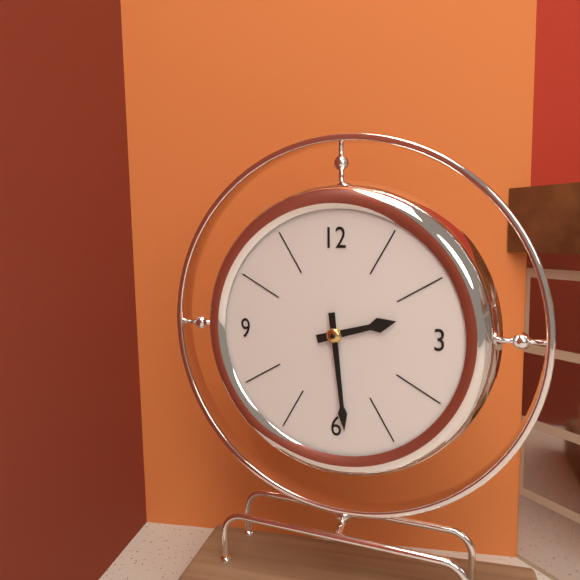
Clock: 2:29
